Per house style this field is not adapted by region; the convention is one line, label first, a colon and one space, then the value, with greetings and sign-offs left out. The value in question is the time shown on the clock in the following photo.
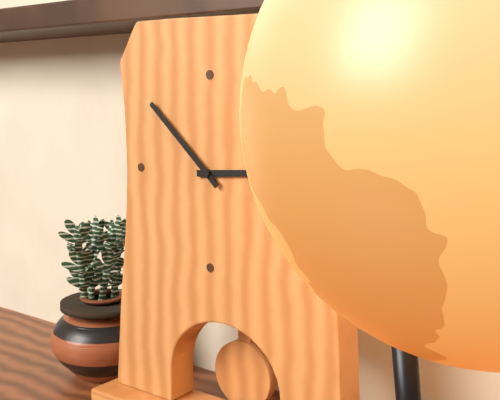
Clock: 2:52
